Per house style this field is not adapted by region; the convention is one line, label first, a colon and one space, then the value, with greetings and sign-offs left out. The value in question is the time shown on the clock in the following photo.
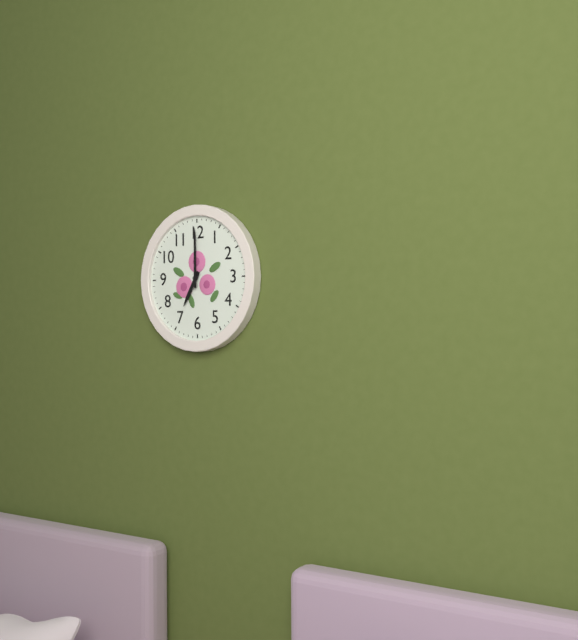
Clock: 7:00
